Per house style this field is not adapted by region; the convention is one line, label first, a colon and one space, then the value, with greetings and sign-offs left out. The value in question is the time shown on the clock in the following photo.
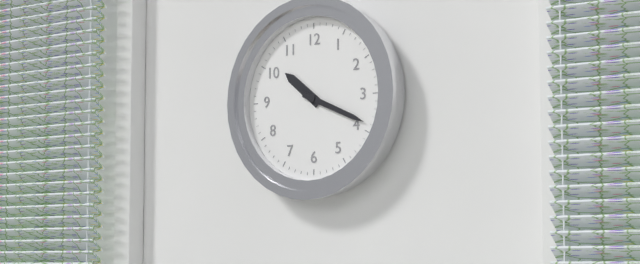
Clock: 10:19
